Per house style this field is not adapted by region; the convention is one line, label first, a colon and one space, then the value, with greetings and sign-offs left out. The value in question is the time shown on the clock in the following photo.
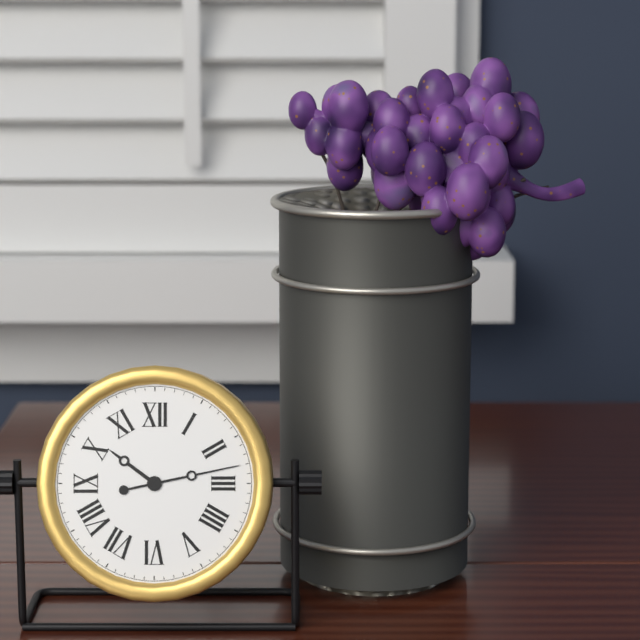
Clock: 10:13
